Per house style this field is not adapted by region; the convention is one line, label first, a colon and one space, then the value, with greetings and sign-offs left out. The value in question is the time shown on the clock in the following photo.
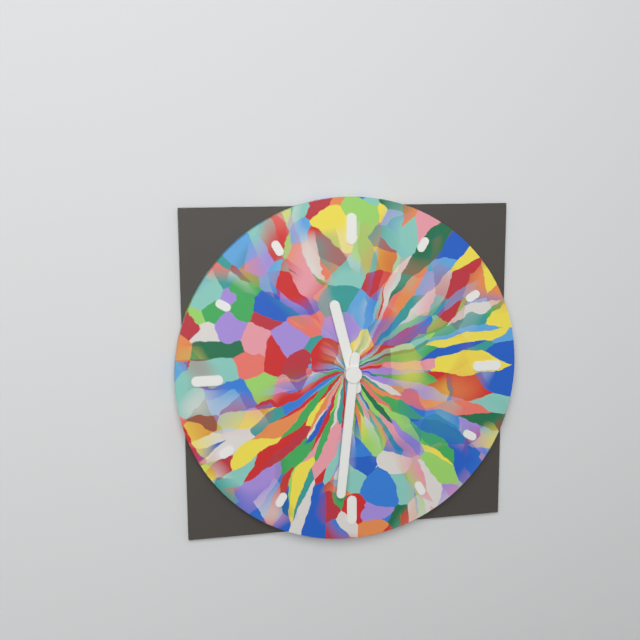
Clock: 11:31
